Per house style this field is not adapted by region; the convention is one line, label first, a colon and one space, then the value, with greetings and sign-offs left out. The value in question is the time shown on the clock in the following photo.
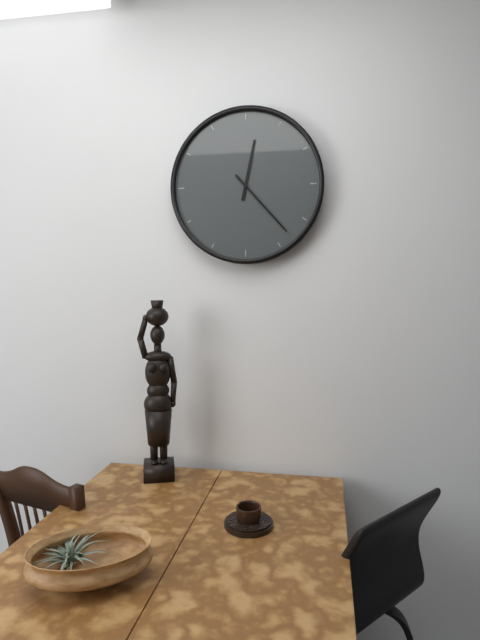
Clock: 12:23
